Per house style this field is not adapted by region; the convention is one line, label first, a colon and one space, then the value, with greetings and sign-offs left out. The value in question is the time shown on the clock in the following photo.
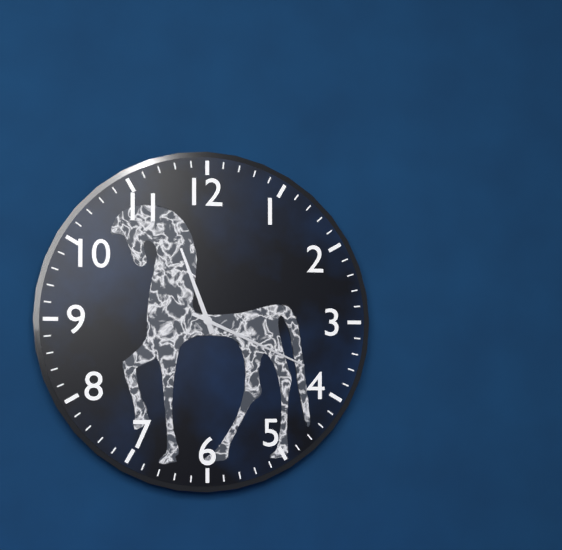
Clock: 11:19
